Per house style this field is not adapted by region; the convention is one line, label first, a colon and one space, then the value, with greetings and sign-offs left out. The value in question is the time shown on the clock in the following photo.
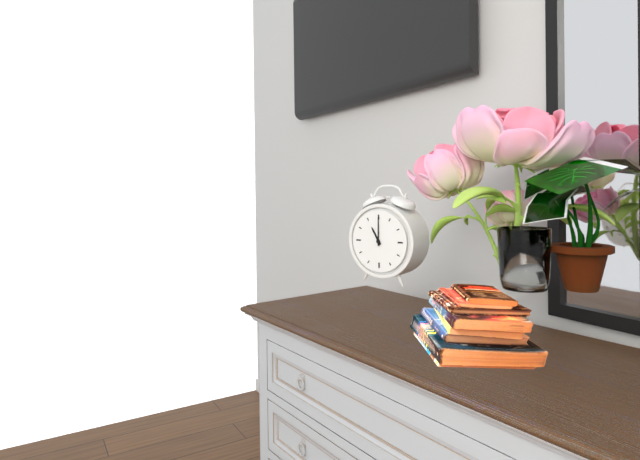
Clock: 11:00
